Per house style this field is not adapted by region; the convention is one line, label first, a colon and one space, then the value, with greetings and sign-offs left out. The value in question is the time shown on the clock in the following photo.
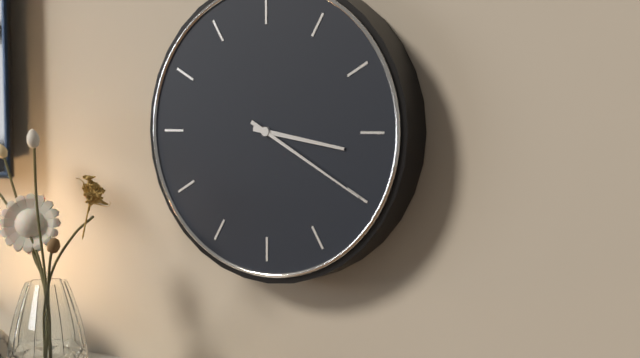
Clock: 3:20
